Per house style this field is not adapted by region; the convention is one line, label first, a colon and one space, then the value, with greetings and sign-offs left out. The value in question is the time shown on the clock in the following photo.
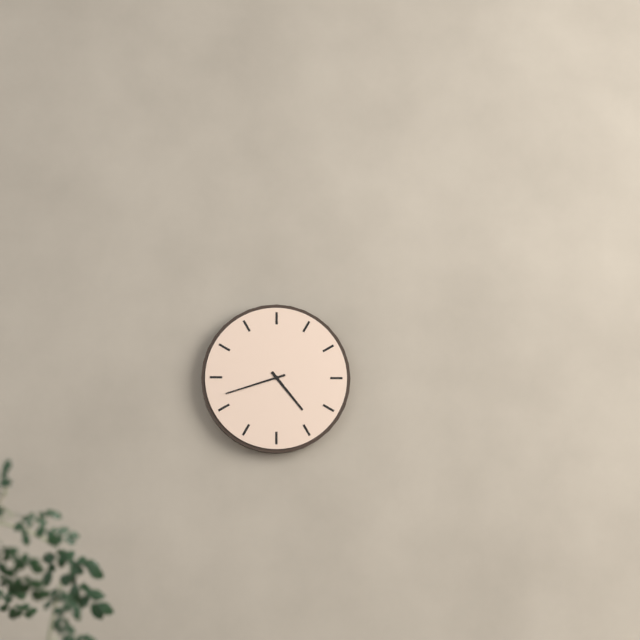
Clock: 4:42
